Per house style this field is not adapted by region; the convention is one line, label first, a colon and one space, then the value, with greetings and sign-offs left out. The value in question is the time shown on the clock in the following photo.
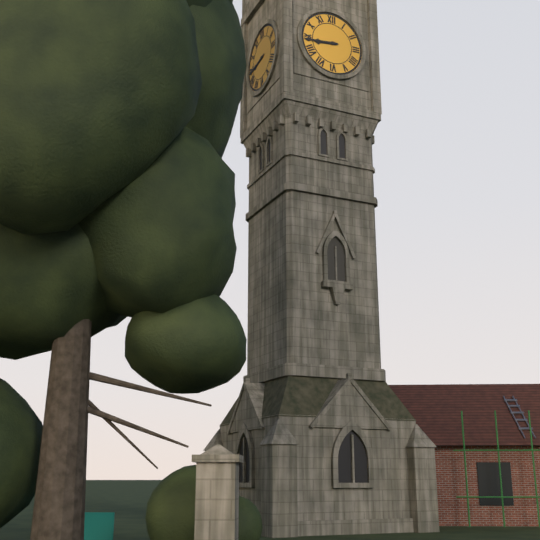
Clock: 8:44
